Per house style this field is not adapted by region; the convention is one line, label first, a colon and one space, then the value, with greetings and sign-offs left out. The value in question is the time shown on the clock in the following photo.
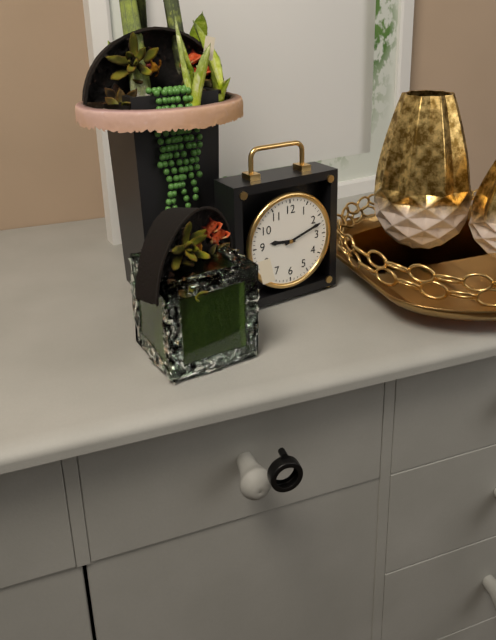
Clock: 9:12
